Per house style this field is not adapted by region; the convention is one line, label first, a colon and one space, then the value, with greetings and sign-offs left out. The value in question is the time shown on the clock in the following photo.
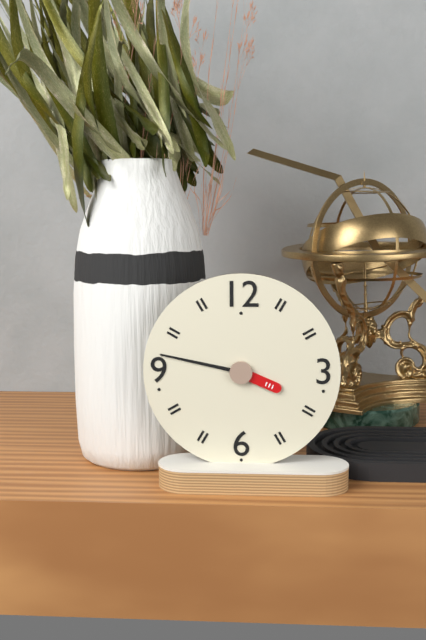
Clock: 3:47
